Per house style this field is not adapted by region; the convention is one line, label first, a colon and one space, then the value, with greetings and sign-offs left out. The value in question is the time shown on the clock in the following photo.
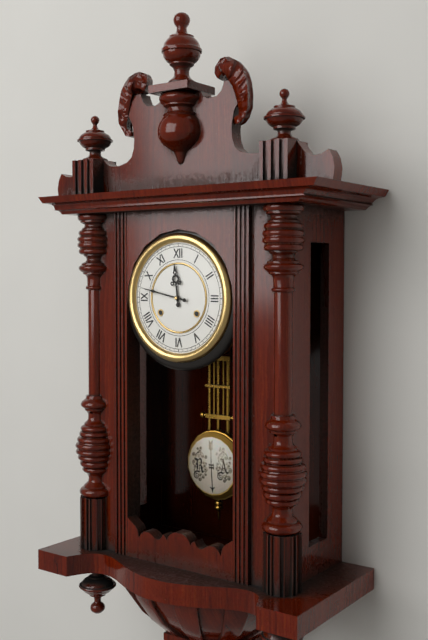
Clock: 11:47
